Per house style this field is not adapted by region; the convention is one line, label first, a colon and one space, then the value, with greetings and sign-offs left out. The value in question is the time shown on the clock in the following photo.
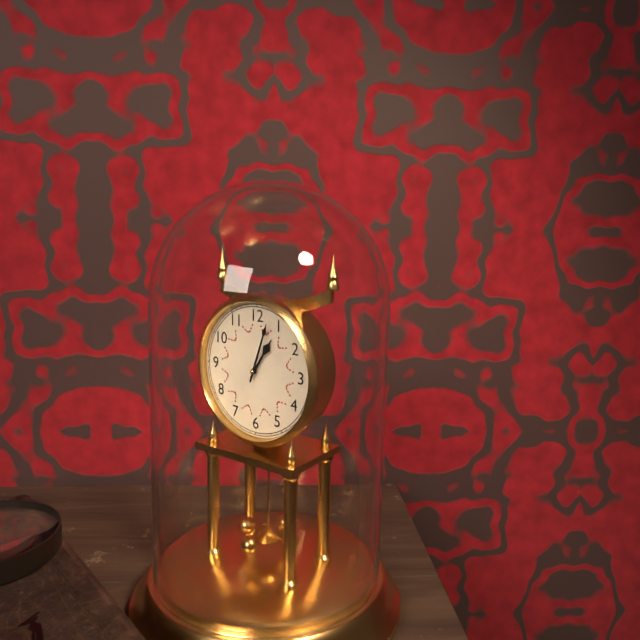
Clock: 1:03
